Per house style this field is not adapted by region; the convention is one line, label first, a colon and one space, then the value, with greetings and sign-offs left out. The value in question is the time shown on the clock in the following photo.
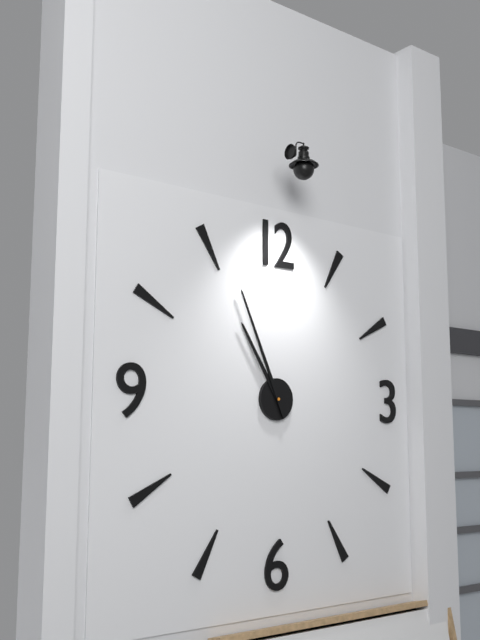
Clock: 10:56
